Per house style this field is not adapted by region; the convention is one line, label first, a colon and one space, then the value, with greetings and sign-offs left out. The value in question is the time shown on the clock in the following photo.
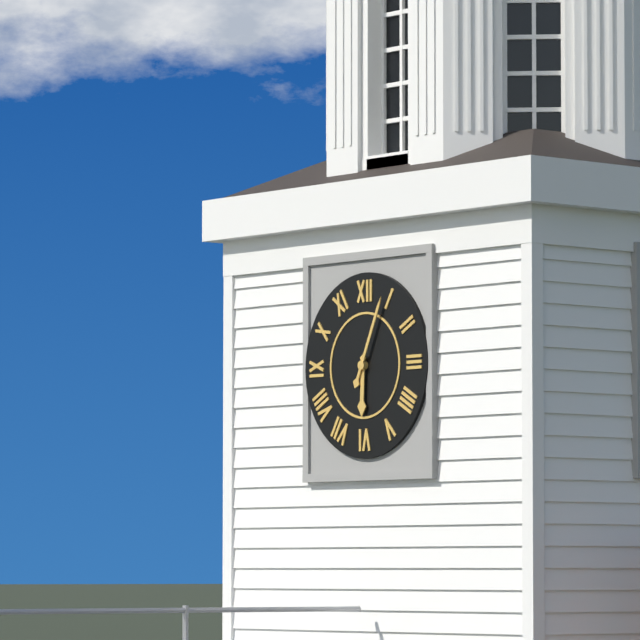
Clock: 6:04
